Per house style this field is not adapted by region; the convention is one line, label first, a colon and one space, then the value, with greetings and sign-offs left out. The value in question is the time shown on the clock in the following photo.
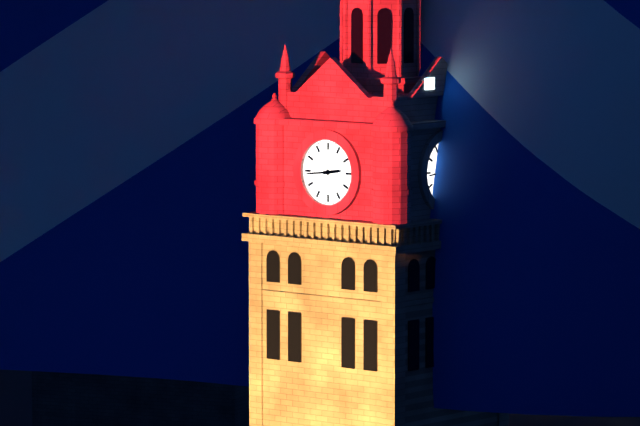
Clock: 2:44
